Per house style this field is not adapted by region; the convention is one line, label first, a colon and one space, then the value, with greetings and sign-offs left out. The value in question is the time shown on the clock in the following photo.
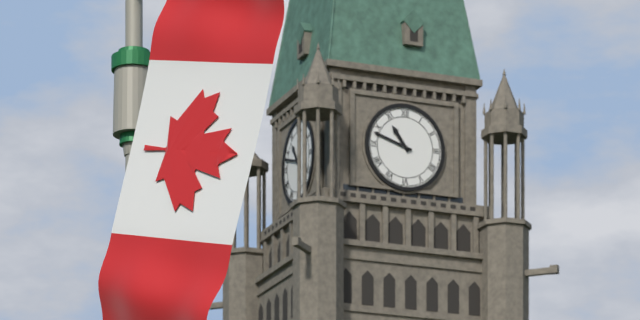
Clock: 10:48
